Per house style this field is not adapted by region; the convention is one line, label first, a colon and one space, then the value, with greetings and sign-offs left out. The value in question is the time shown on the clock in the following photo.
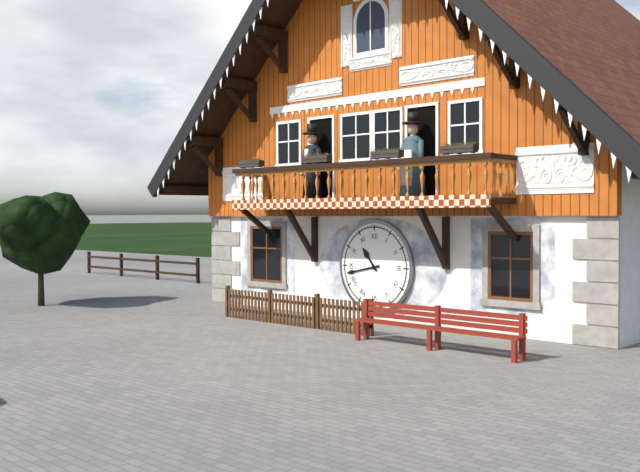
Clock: 10:43
